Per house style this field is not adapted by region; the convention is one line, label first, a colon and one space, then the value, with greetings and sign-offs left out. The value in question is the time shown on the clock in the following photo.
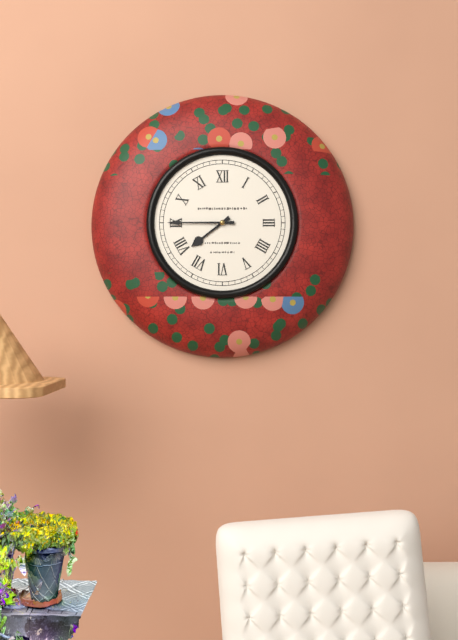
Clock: 7:45
